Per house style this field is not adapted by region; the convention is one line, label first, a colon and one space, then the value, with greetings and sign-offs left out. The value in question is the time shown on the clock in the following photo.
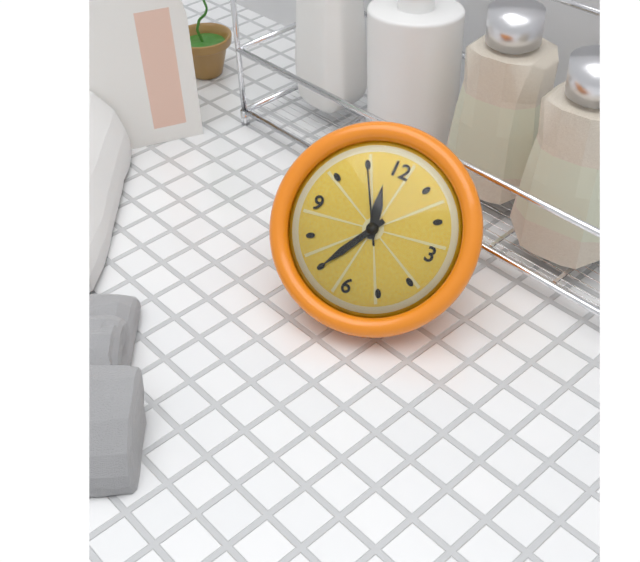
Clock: 11:35:55
